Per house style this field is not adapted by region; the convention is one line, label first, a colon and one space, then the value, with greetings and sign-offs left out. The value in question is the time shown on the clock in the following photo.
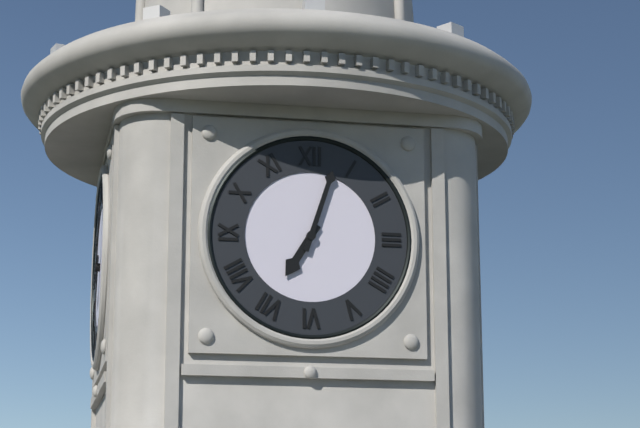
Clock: 7:03
